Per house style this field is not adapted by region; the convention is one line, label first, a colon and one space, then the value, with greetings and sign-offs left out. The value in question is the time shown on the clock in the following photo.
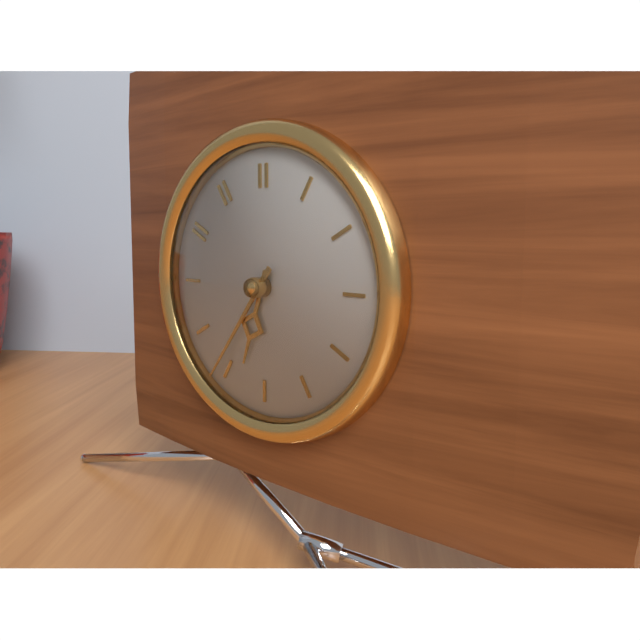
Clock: 6:36
